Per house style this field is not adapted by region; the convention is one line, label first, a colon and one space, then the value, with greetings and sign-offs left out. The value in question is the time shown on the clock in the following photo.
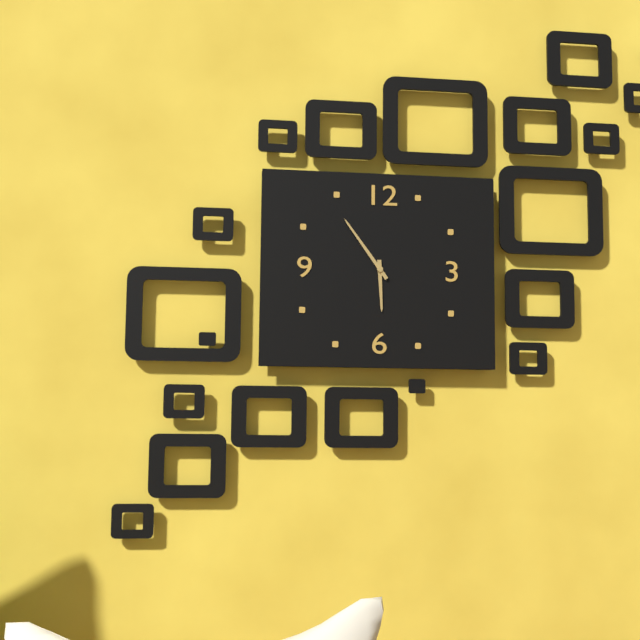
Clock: 5:54
